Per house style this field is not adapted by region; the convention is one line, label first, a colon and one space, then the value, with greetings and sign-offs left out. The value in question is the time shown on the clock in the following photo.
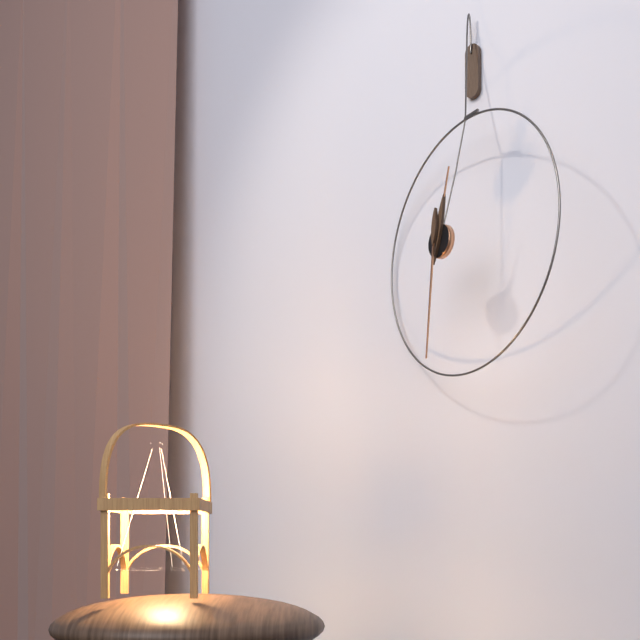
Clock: 12:31
